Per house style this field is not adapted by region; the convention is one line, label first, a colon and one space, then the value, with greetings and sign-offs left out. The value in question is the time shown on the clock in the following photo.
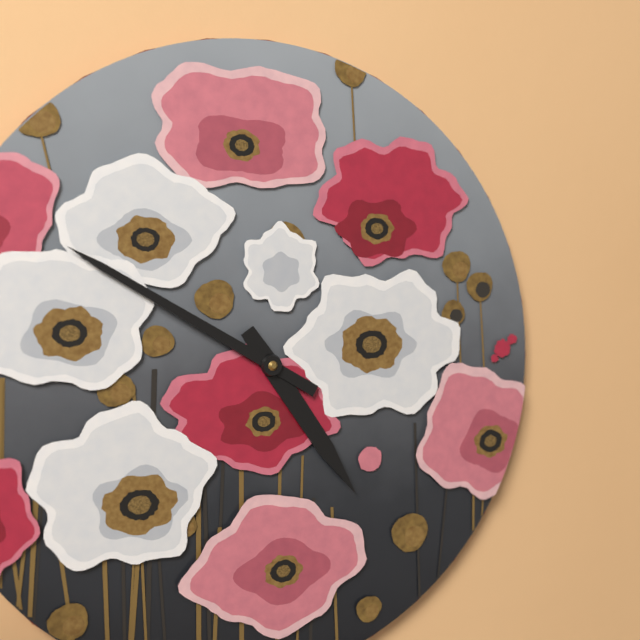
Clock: 4:50
